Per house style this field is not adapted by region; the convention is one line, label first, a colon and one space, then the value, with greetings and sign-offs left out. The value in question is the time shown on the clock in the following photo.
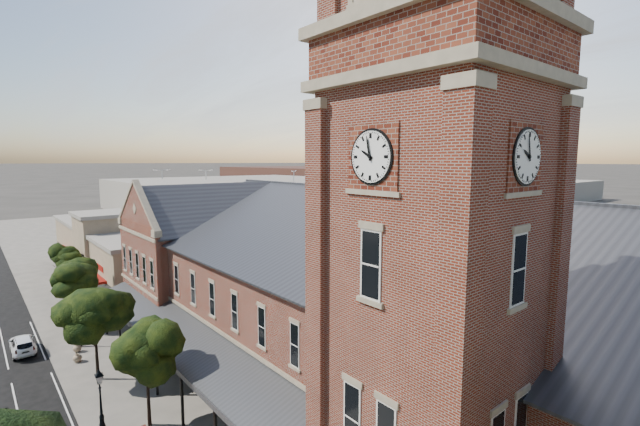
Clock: 9:58
